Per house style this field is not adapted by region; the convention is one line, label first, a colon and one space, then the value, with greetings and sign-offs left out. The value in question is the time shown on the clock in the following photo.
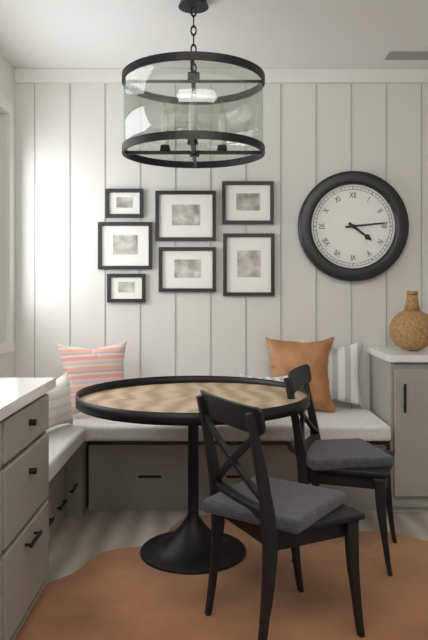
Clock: 4:14
